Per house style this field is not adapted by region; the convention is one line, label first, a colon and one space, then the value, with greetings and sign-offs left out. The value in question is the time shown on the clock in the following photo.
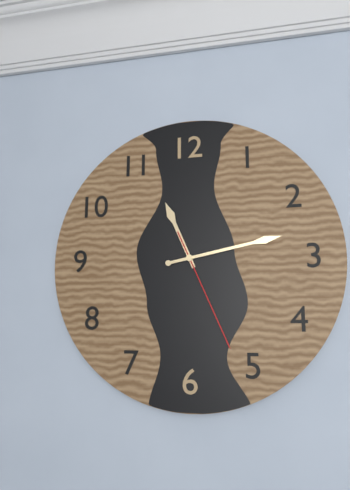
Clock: 11:13:26
